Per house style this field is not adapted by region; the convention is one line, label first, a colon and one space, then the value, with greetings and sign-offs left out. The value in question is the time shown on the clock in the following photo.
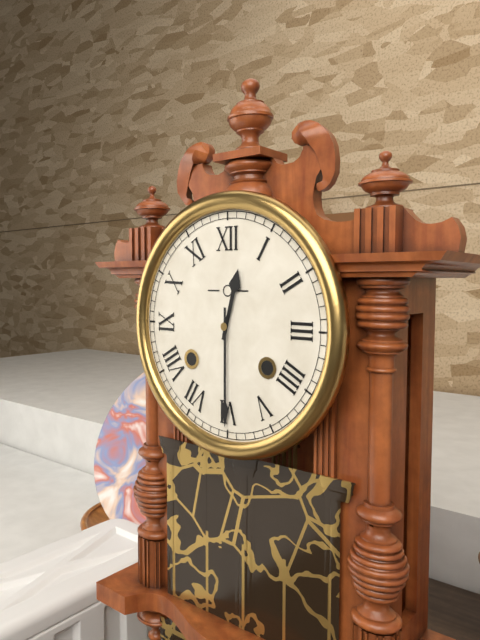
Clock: 12:30
